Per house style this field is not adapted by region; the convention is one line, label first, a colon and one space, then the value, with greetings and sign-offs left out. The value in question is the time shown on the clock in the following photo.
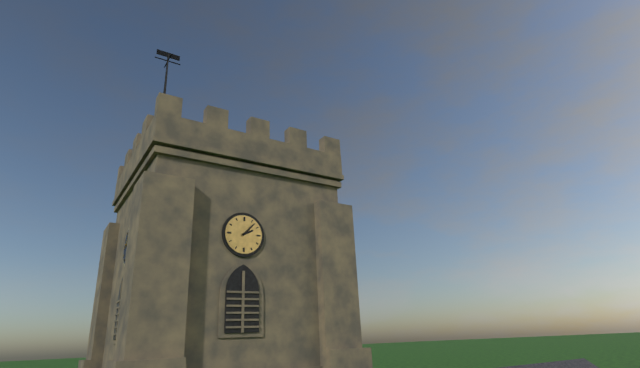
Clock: 2:07
